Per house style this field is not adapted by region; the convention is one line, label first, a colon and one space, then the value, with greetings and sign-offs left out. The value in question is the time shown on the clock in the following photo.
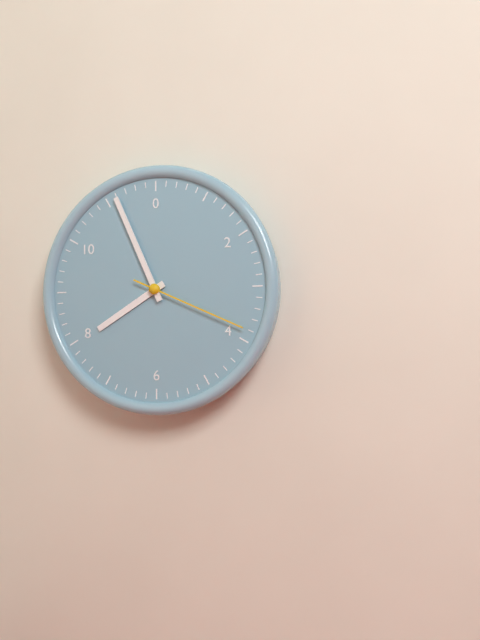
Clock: 7:56:19
